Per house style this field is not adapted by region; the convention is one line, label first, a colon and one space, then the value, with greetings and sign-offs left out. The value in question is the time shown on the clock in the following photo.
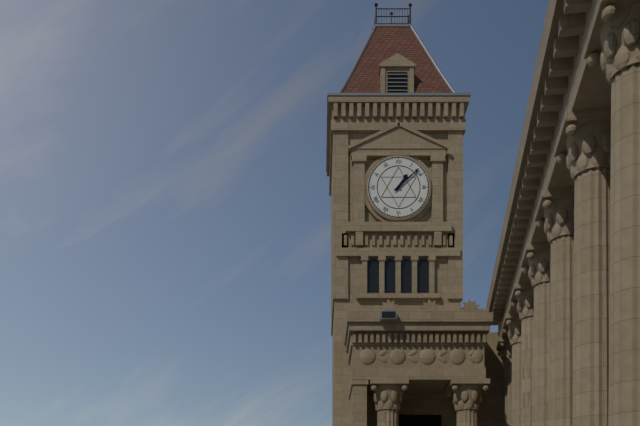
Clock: 1:08
